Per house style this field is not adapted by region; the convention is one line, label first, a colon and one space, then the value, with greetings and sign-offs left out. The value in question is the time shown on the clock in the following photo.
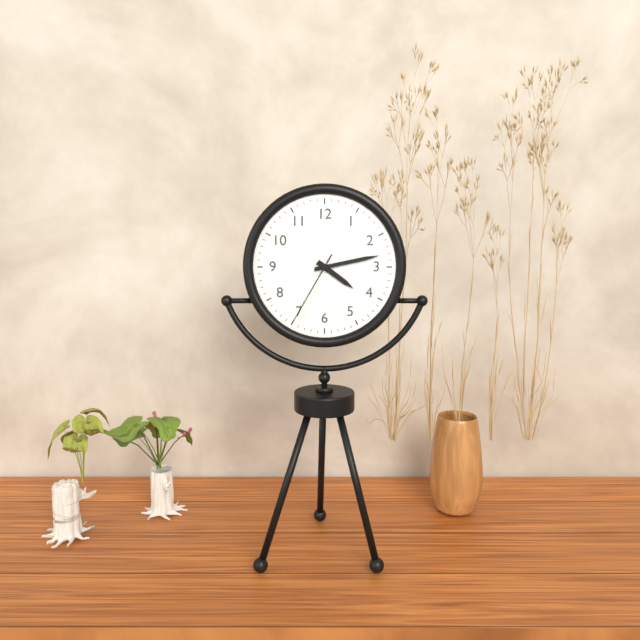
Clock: 4:13:35
